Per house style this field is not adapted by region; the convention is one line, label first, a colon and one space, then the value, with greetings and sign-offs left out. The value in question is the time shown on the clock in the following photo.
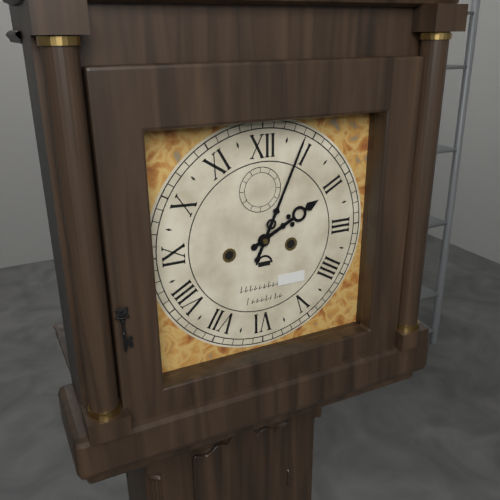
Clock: 2:04
